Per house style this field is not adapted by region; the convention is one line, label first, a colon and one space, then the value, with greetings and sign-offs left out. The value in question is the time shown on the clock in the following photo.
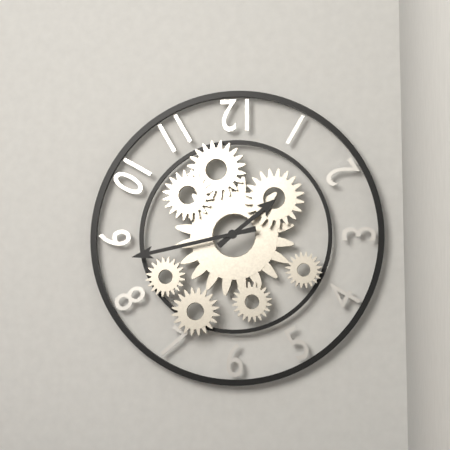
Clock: 1:43
